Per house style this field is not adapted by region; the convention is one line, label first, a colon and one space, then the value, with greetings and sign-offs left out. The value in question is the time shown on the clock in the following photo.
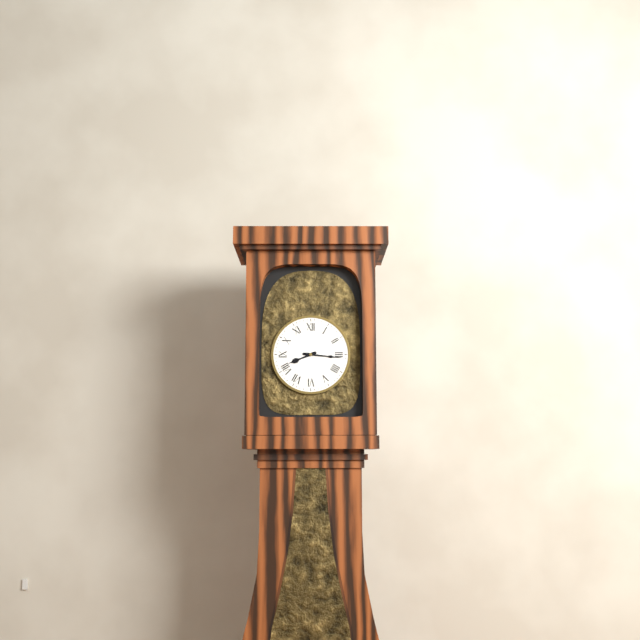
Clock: 8:16
